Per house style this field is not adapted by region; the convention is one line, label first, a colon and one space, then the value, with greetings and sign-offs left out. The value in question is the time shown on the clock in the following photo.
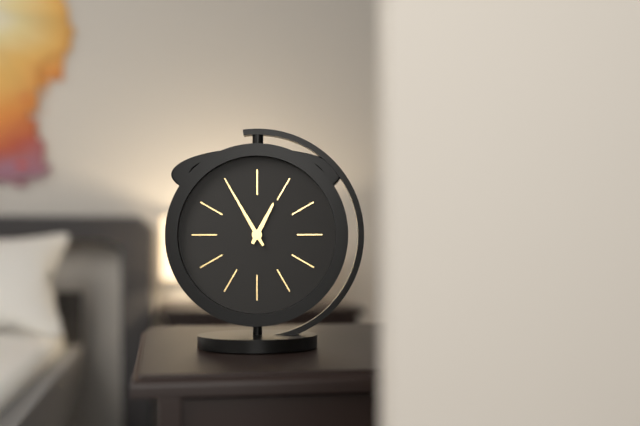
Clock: 12:55
